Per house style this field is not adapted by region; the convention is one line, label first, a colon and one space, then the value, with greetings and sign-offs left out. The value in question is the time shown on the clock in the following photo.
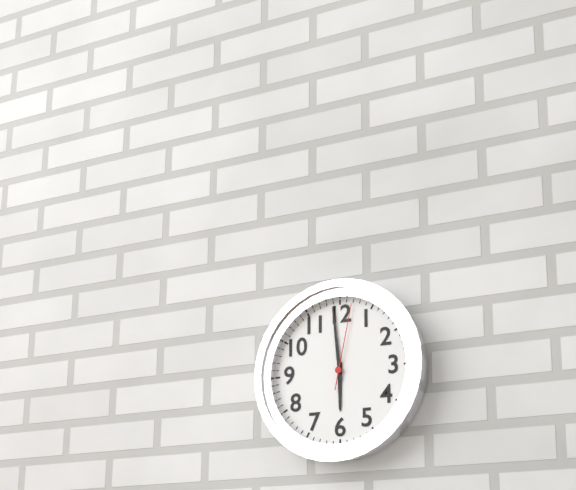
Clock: 5:59:02
